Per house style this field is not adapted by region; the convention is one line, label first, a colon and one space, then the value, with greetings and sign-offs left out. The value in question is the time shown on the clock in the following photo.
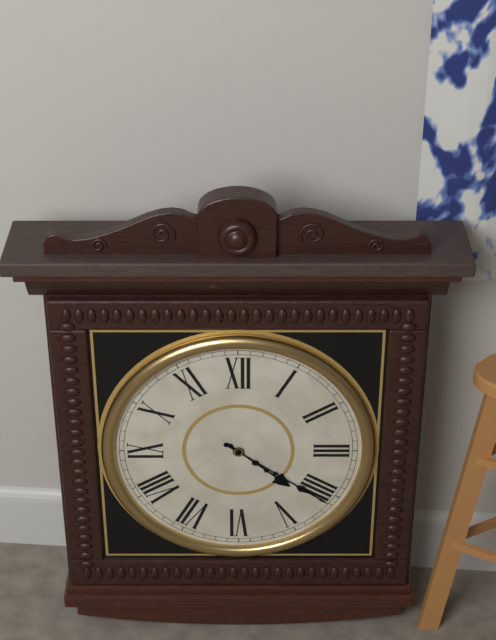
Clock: 4:21
